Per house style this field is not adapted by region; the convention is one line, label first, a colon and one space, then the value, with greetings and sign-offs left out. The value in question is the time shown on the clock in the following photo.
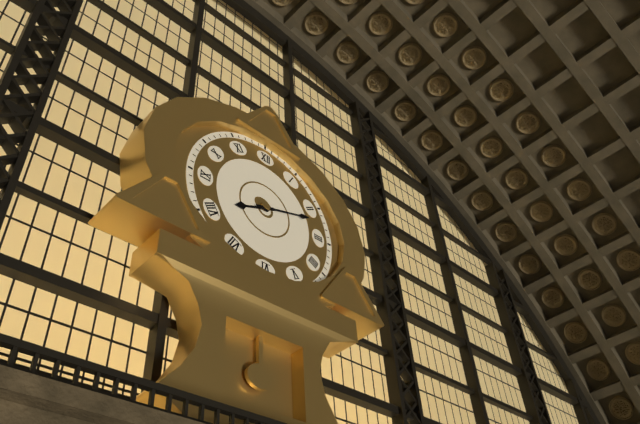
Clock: 8:12
